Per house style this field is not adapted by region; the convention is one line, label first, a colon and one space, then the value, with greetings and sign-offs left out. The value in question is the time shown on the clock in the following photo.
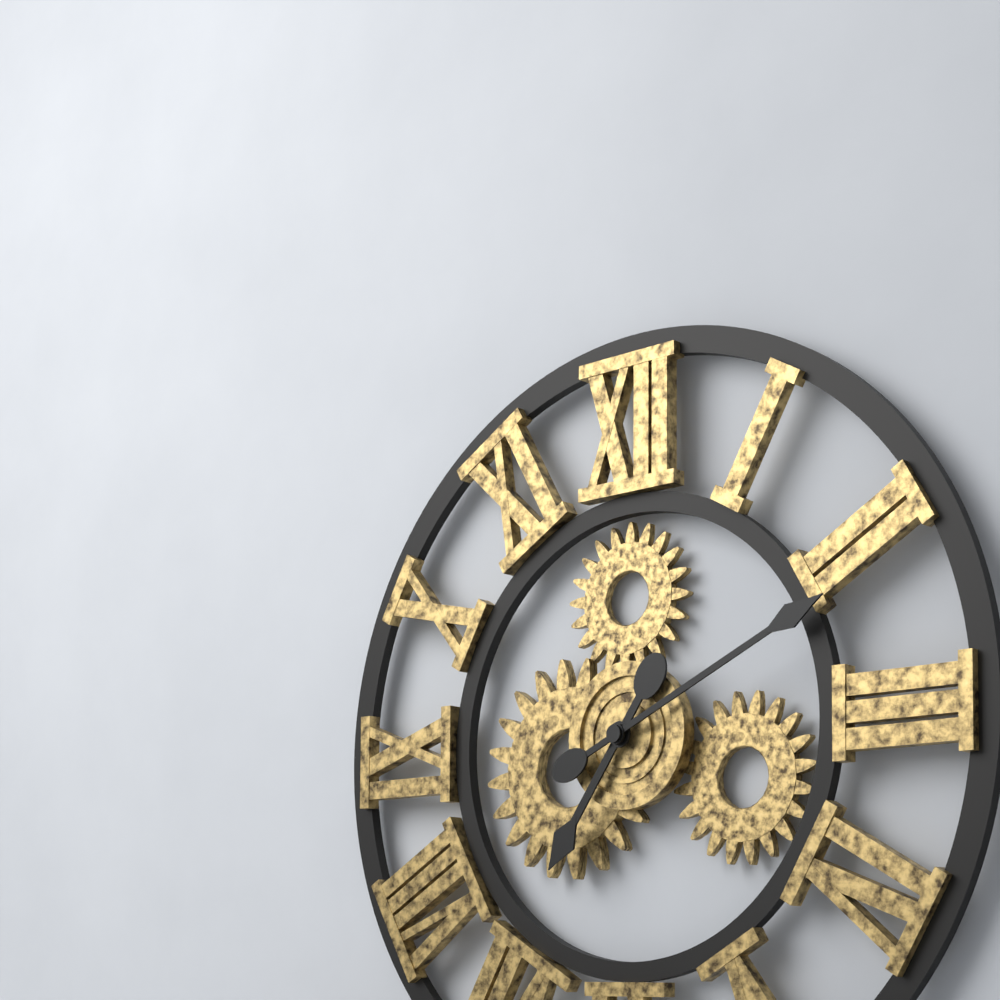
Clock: 7:11
